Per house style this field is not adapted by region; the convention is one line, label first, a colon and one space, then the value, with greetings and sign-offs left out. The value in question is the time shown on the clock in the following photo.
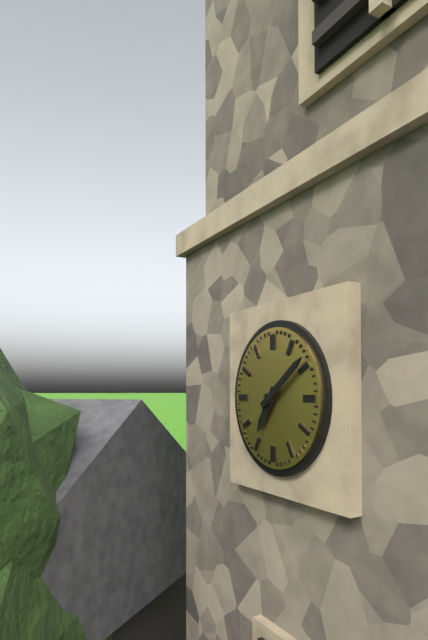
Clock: 7:09
